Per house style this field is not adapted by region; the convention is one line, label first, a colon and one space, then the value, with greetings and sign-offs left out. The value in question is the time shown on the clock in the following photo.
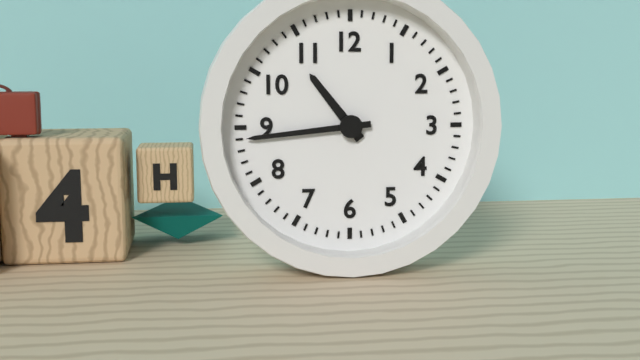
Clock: 10:44
